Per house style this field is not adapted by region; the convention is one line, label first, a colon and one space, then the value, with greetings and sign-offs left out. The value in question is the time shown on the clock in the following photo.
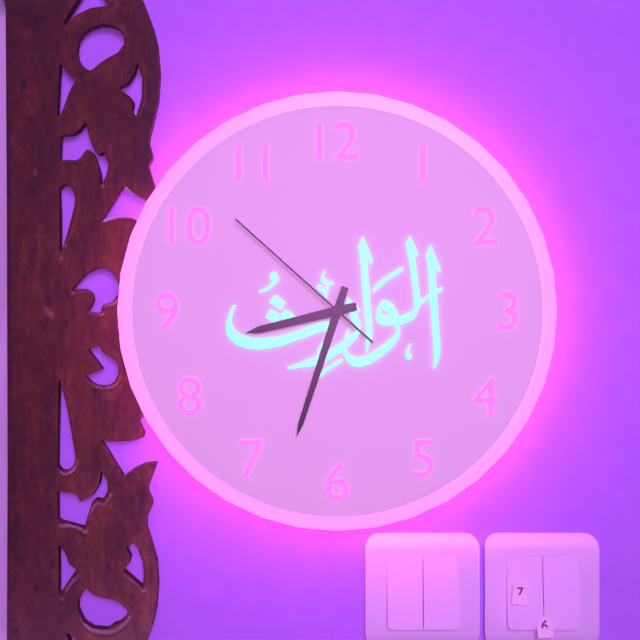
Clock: 8:33:52
